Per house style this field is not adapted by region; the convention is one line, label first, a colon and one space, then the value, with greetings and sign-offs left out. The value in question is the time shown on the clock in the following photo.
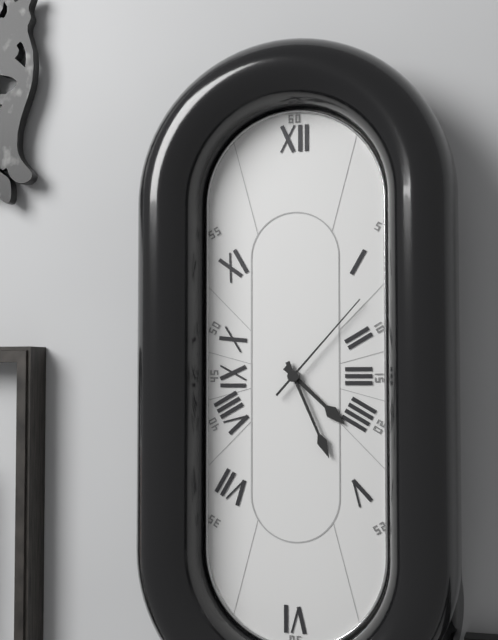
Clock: 4:26:07
